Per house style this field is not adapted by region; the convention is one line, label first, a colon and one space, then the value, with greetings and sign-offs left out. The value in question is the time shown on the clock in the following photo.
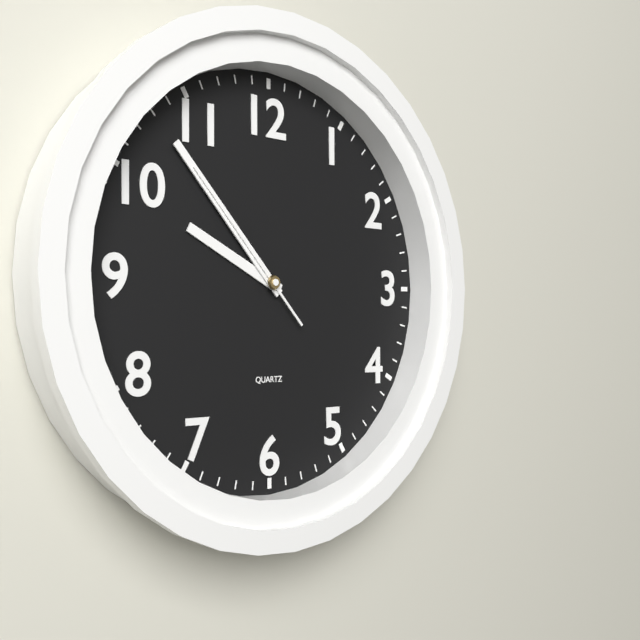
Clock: 9:53:53
